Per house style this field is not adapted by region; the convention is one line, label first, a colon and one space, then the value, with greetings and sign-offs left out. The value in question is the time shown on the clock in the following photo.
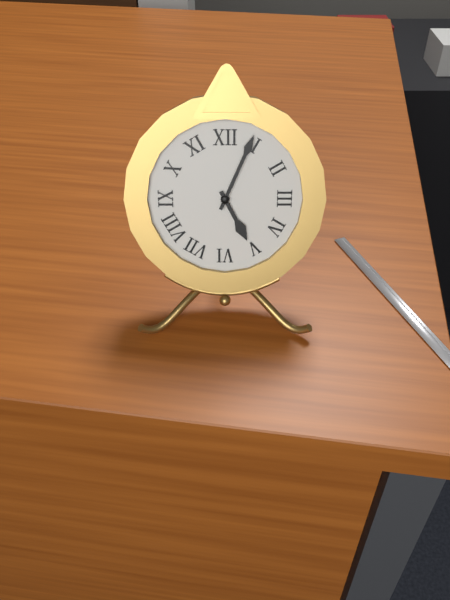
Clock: 5:04
